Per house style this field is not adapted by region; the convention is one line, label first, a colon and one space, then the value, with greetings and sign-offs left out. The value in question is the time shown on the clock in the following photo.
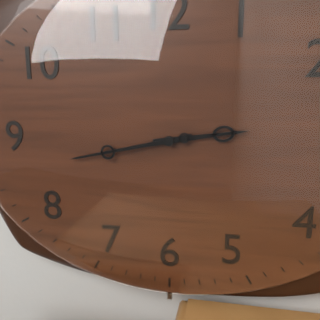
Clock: 2:43
